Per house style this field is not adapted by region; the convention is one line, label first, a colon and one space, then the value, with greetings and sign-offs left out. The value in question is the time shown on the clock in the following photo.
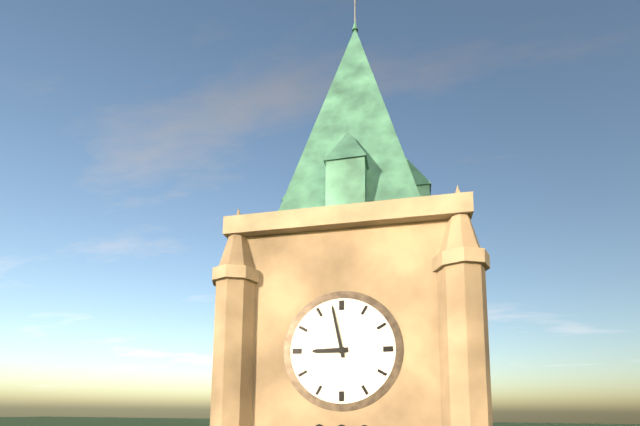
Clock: 8:58
